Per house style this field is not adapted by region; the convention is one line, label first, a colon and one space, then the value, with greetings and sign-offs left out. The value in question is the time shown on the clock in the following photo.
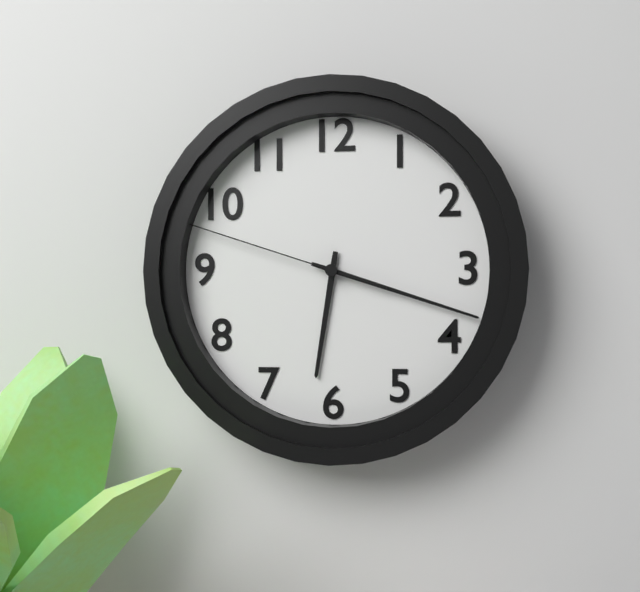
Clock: 6:18:48
